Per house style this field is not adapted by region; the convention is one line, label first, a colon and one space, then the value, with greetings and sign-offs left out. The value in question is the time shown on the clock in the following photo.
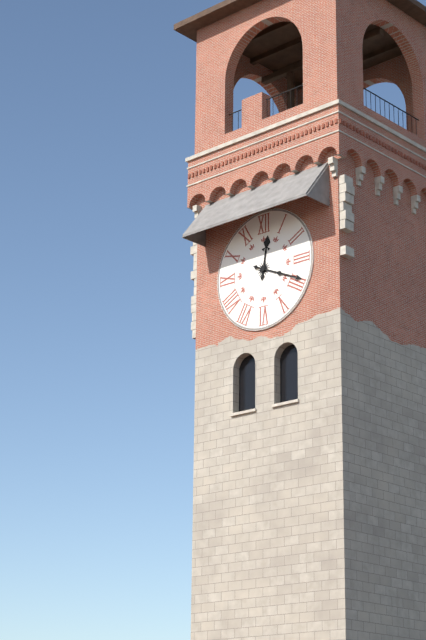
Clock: 12:19
